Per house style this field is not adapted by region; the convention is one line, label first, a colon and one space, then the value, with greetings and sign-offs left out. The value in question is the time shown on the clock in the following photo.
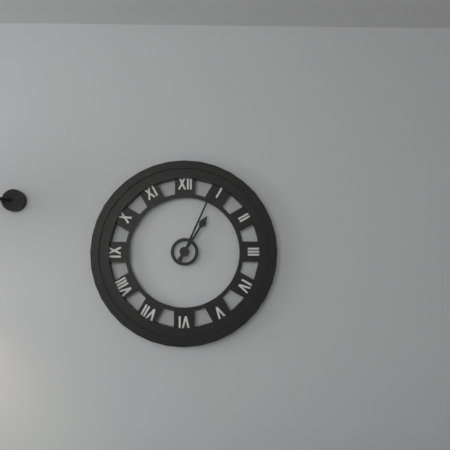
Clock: 1:04
